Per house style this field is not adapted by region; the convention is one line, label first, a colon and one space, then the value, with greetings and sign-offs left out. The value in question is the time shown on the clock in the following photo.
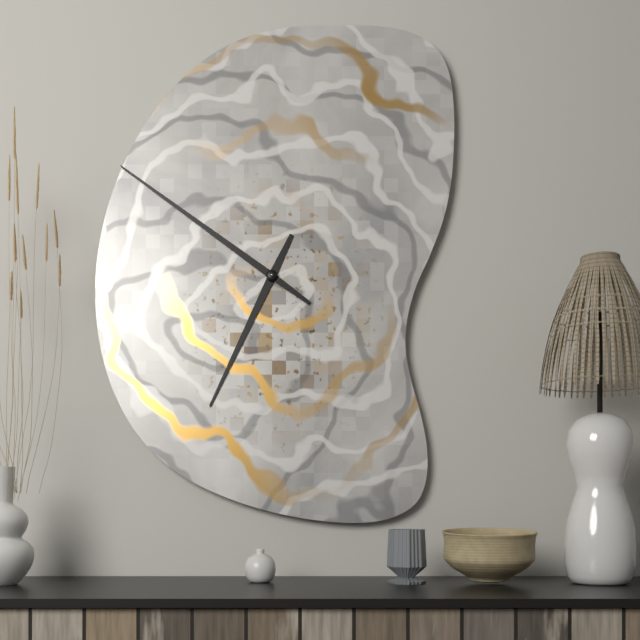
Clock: 6:51
